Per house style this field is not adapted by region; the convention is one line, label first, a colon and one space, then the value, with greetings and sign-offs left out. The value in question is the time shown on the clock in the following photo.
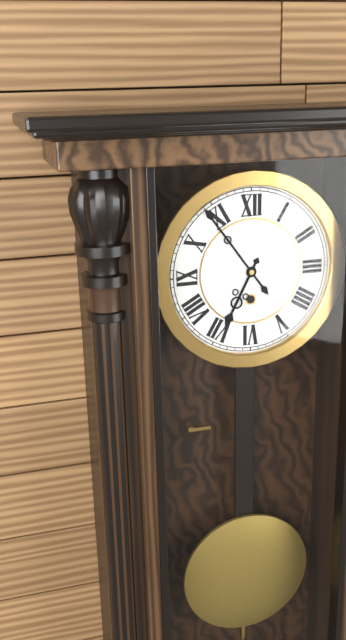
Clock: 6:54
